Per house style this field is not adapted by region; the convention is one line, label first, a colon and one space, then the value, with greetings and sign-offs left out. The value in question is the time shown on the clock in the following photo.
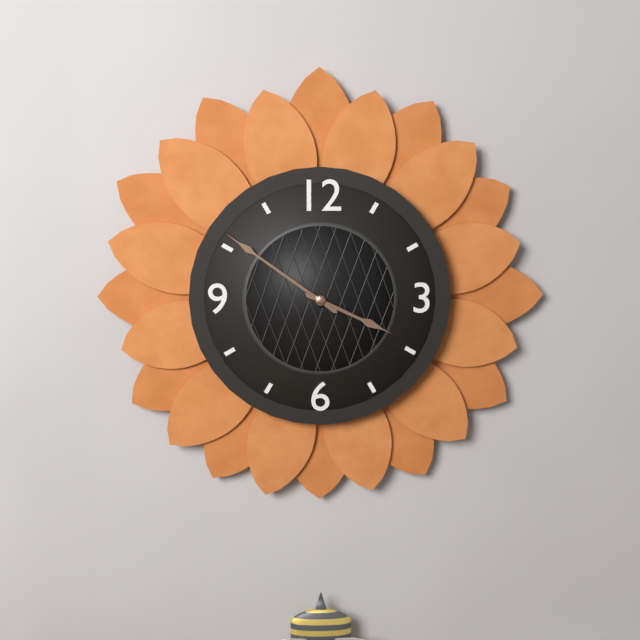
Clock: 3:51
